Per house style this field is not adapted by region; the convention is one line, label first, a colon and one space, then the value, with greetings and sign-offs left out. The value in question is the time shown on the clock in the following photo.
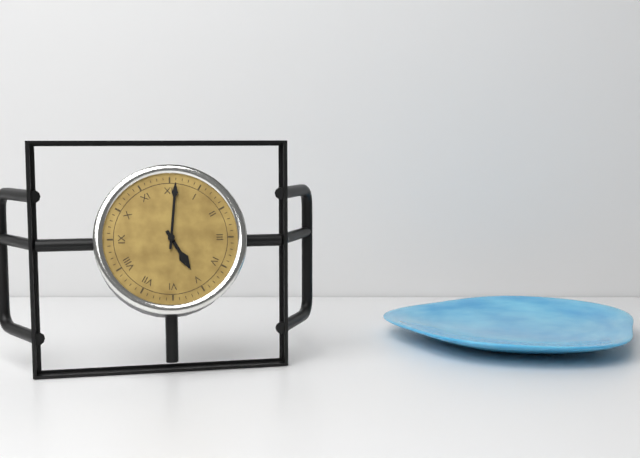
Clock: 5:01
